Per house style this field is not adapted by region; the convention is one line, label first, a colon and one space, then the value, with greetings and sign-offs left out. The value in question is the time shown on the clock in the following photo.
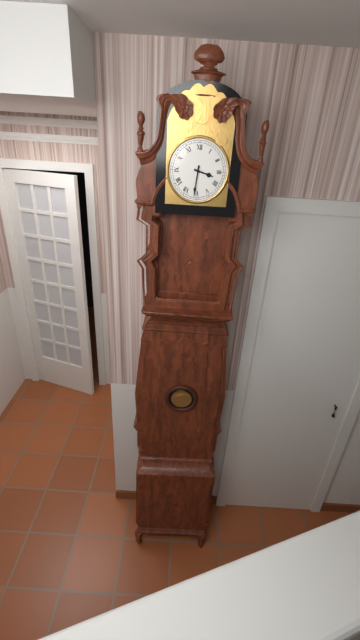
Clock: 3:31
